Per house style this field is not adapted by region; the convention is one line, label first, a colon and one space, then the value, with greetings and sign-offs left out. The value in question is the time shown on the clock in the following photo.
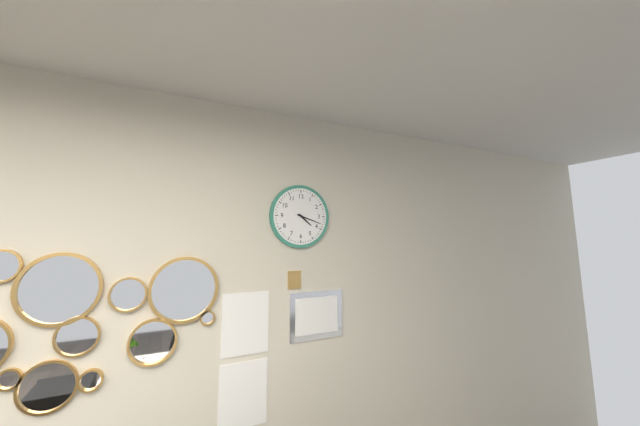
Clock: 4:18
